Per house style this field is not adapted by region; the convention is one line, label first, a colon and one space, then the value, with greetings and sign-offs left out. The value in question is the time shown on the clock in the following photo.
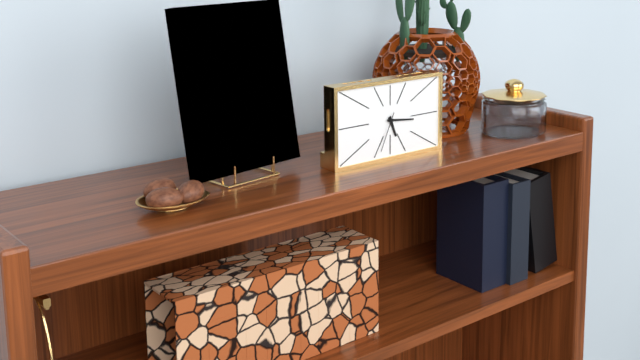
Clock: 5:16
